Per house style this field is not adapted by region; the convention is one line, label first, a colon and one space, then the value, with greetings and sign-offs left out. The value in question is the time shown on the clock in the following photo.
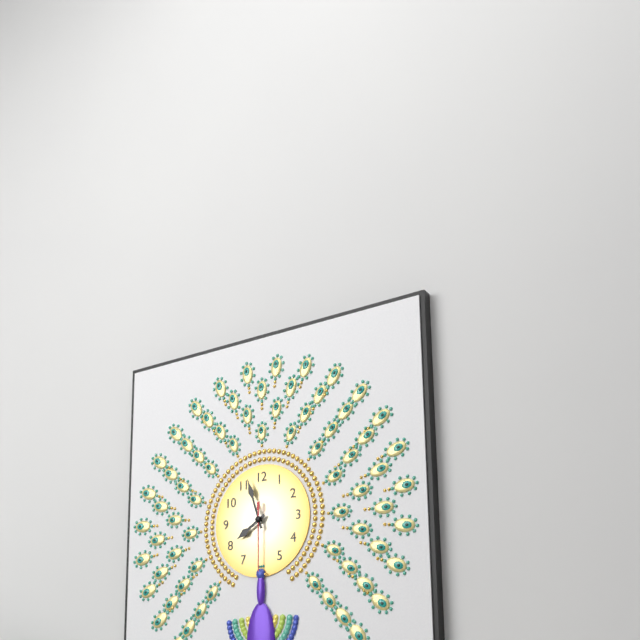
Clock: 7:57:30
